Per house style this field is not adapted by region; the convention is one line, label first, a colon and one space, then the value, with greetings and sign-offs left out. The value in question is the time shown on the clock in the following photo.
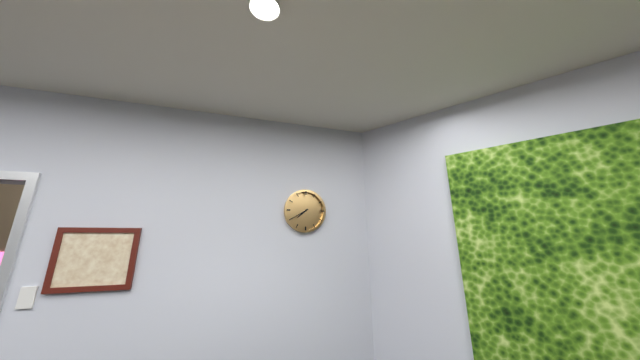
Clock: 7:40
